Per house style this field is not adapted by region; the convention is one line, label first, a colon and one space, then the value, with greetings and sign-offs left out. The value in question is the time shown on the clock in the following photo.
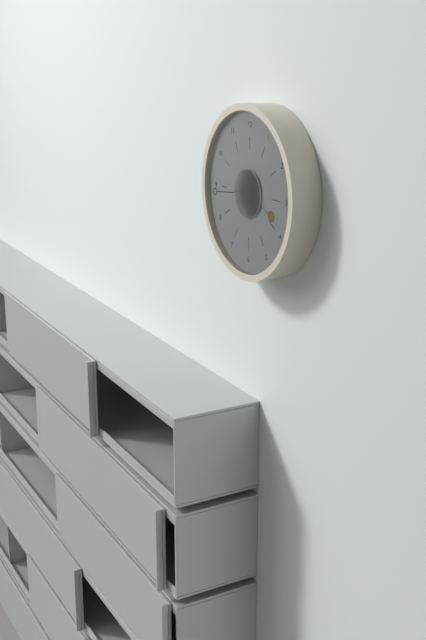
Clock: 3:44
